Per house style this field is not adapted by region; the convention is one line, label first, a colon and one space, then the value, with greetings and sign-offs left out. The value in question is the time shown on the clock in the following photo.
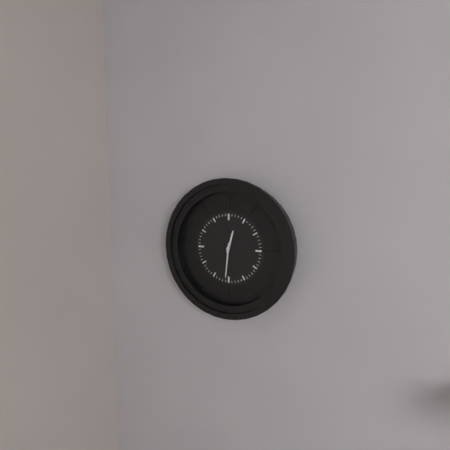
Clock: 12:31
